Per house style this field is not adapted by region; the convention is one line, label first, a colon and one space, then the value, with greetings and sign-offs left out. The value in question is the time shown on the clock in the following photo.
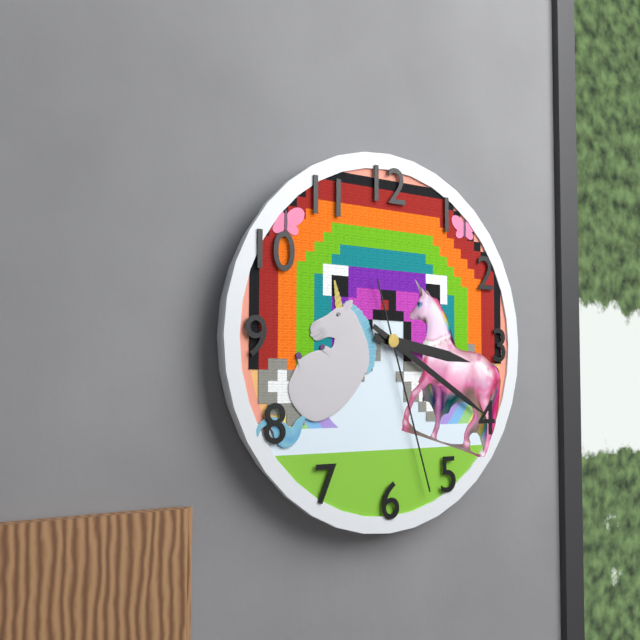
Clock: 3:20:27
